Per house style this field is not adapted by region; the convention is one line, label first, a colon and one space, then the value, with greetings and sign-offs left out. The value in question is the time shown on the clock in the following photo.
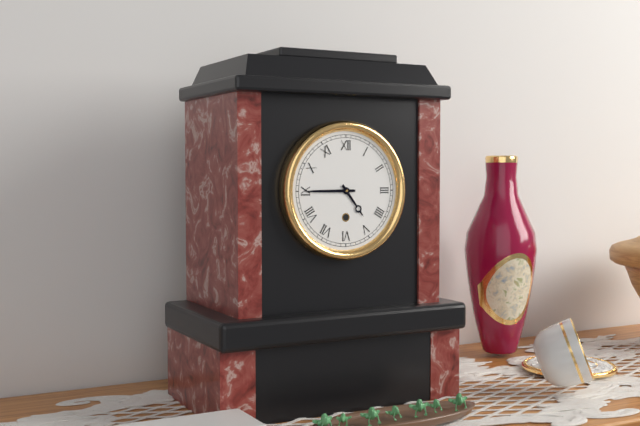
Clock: 4:45
